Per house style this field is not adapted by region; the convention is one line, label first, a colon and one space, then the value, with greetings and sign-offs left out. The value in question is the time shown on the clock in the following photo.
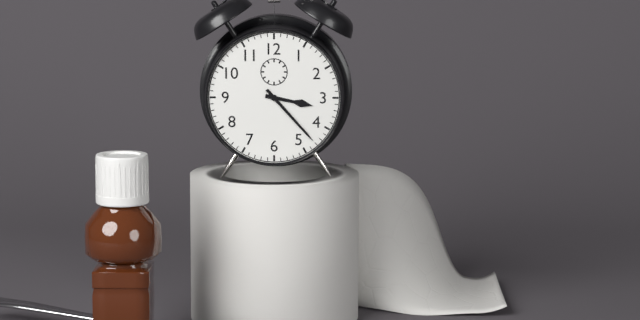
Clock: 3:23
